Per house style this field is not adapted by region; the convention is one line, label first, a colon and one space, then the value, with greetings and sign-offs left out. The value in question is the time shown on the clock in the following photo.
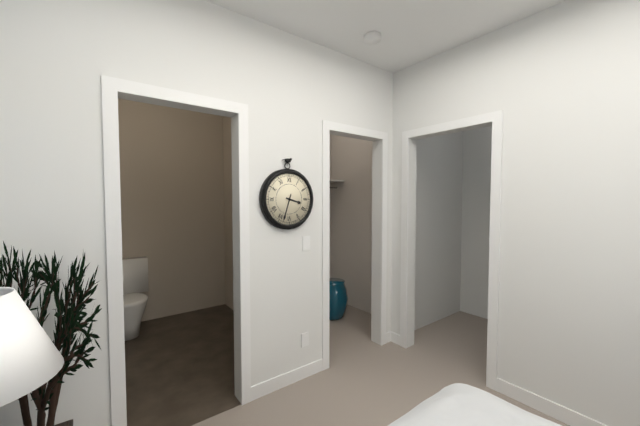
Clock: 3:33
